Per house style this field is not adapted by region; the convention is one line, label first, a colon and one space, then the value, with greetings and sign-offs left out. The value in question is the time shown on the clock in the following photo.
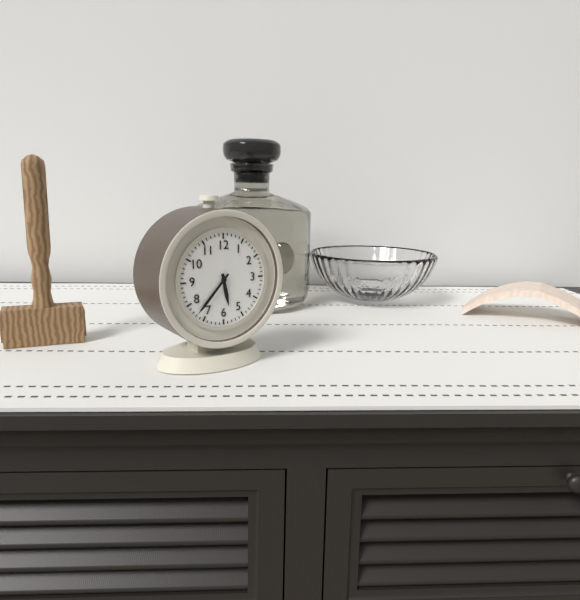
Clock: 5:37
